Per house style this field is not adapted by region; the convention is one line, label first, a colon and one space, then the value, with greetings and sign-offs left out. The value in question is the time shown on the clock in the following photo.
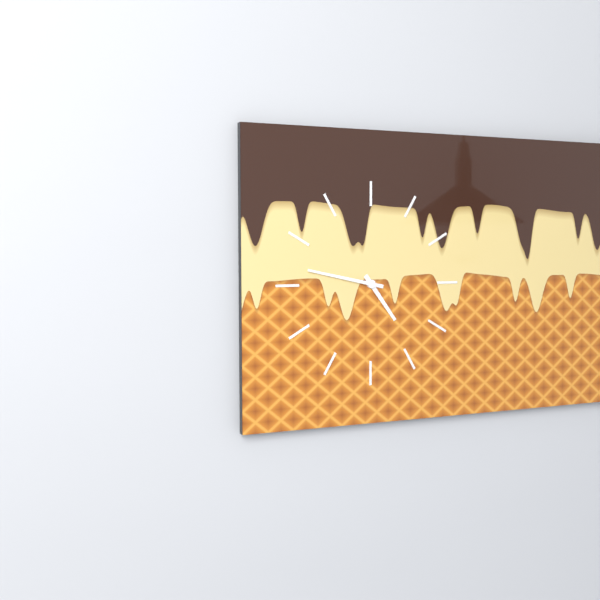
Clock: 4:47
